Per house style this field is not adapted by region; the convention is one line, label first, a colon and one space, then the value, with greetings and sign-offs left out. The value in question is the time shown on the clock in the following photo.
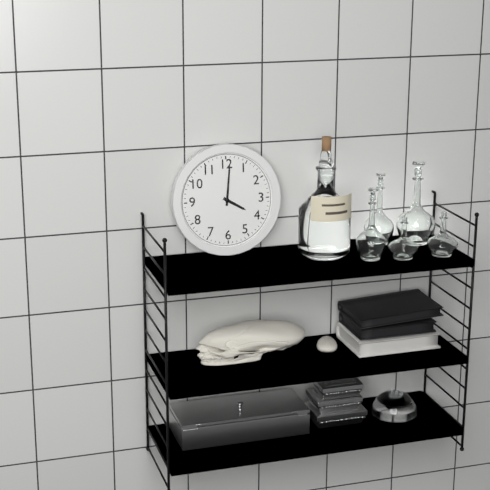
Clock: 4:01
